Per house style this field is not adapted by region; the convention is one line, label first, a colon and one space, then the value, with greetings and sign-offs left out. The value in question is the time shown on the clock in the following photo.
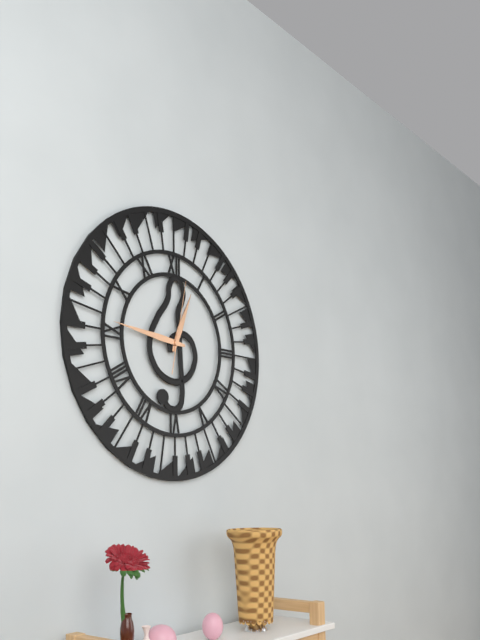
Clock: 12:46:02
